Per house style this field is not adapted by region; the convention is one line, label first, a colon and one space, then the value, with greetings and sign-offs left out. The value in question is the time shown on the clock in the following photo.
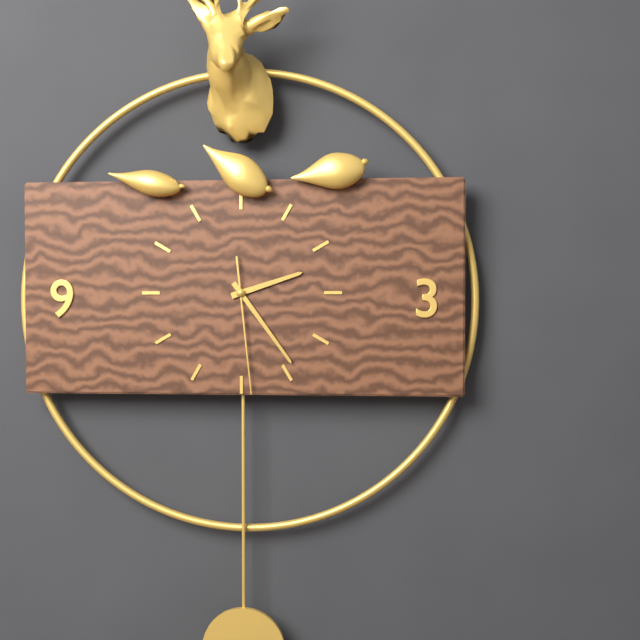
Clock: 2:24:29
